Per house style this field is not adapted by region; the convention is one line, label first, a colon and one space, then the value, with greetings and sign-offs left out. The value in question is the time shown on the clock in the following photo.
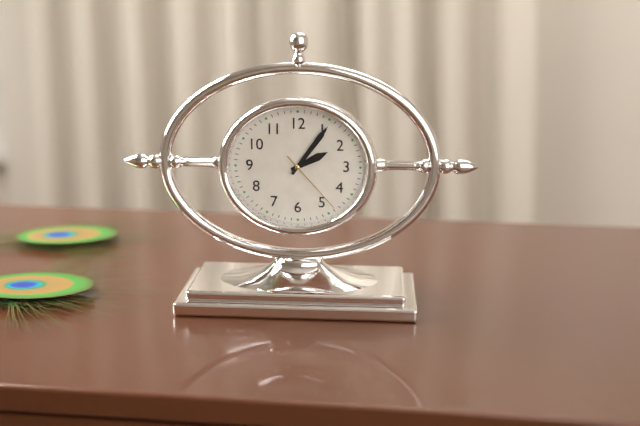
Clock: 2:06:23
